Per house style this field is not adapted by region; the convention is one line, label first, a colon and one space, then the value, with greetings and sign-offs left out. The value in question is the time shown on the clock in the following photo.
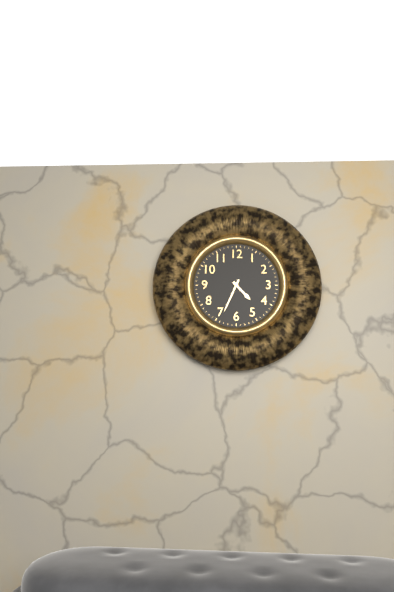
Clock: 4:34
